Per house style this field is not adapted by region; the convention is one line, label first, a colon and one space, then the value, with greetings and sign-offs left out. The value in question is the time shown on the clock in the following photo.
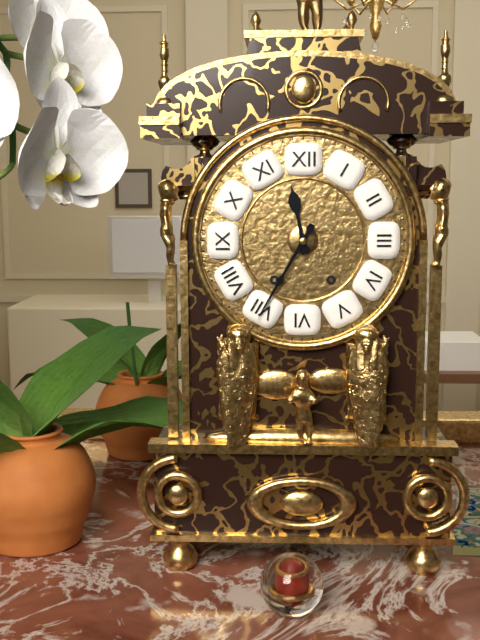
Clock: 11:35
